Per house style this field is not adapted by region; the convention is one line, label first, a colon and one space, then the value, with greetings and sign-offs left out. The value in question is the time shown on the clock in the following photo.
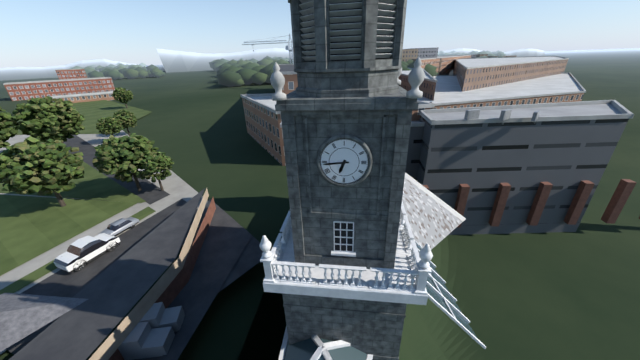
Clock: 6:44
